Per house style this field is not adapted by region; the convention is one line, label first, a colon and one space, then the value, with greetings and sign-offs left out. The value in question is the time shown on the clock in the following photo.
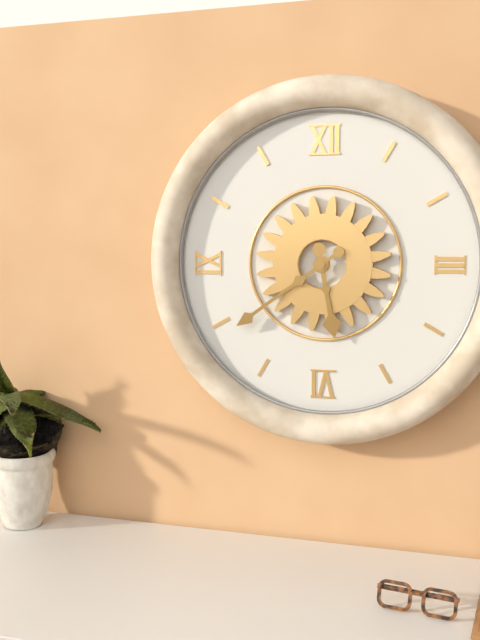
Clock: 5:39
